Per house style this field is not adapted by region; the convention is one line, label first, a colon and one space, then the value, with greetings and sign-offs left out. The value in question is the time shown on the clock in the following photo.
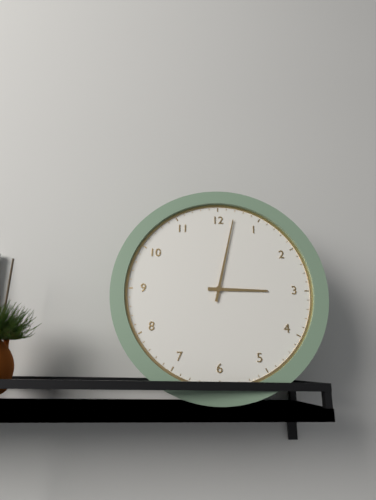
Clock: 3:02
